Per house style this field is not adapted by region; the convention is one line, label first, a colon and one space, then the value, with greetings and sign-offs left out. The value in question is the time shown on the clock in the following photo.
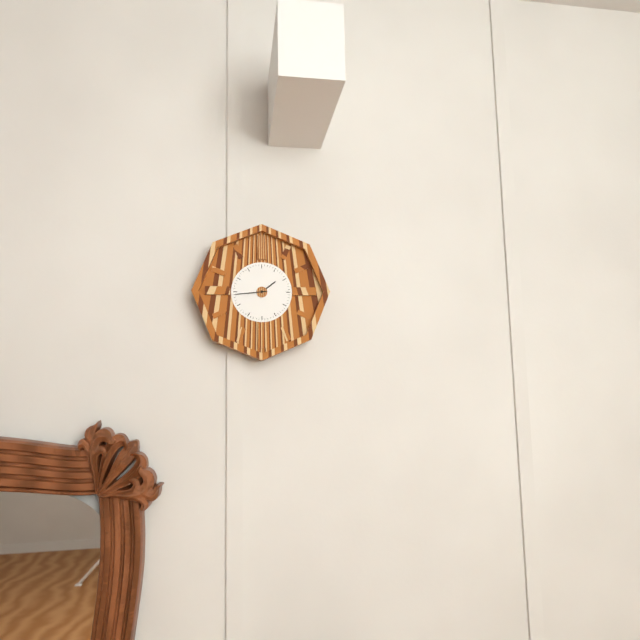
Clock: 1:44
